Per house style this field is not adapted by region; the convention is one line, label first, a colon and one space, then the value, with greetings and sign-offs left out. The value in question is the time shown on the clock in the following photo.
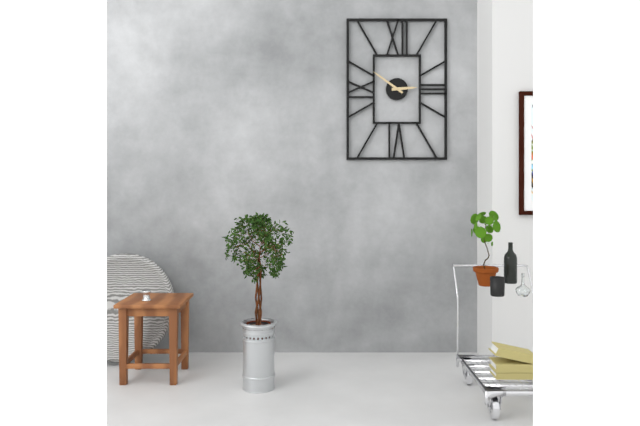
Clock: 2:51
